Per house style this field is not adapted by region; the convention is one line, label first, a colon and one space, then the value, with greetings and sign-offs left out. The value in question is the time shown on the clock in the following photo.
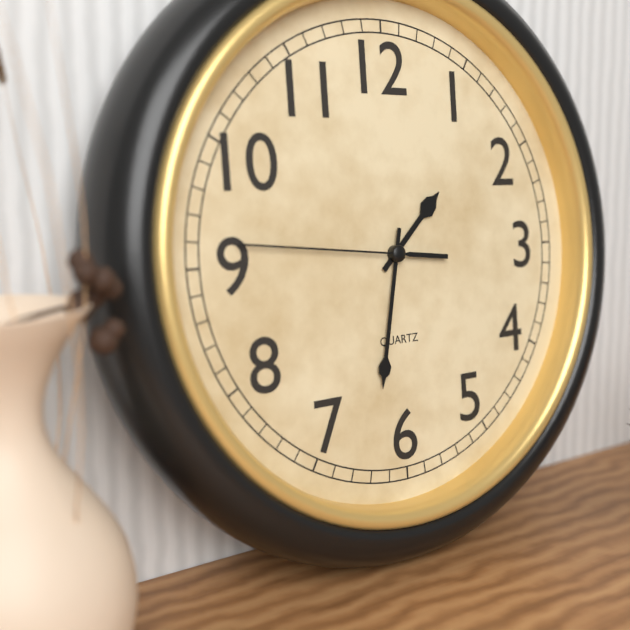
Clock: 1:32:46
